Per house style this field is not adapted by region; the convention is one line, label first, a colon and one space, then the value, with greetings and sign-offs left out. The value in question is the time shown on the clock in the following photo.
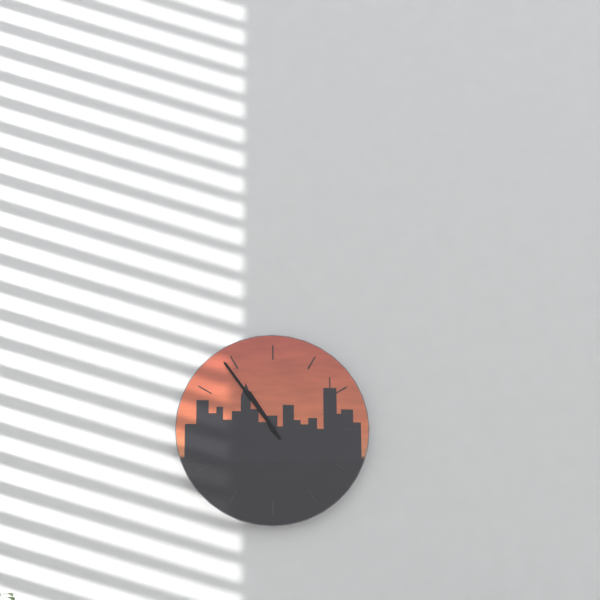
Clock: 10:54
